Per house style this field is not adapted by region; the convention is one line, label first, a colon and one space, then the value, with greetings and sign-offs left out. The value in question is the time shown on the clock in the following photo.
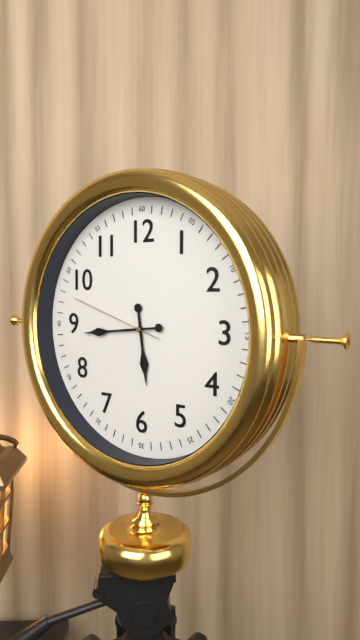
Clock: 5:44:48
